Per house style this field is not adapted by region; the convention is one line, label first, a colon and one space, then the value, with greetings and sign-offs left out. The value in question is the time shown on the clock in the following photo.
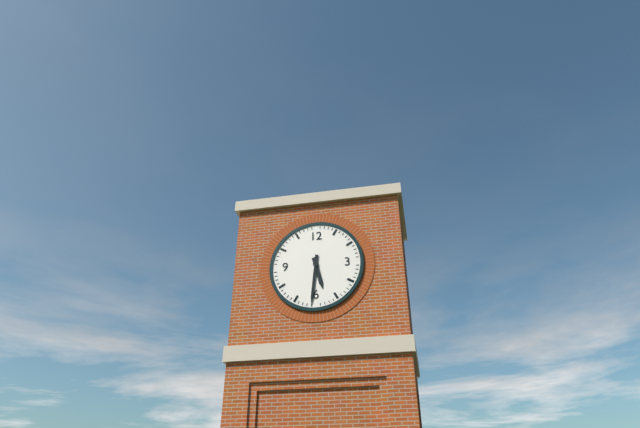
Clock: 5:31
